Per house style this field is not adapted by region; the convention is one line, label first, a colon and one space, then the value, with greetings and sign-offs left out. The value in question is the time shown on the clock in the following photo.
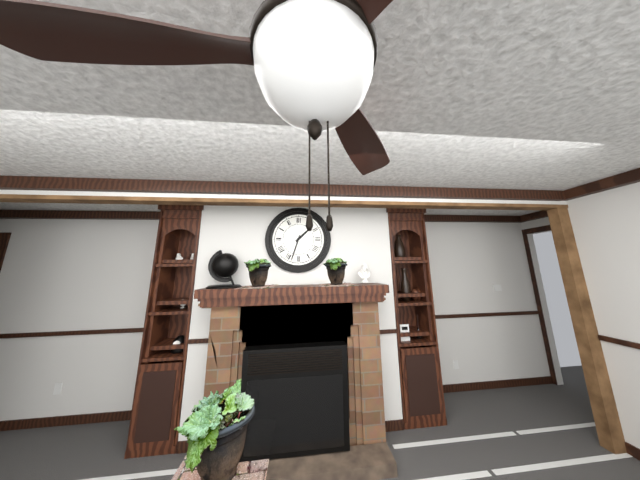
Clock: 1:33
